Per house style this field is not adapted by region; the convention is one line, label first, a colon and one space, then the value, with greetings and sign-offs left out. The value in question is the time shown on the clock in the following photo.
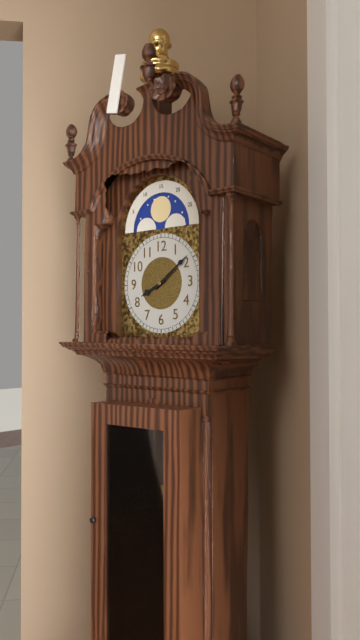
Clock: 8:09
